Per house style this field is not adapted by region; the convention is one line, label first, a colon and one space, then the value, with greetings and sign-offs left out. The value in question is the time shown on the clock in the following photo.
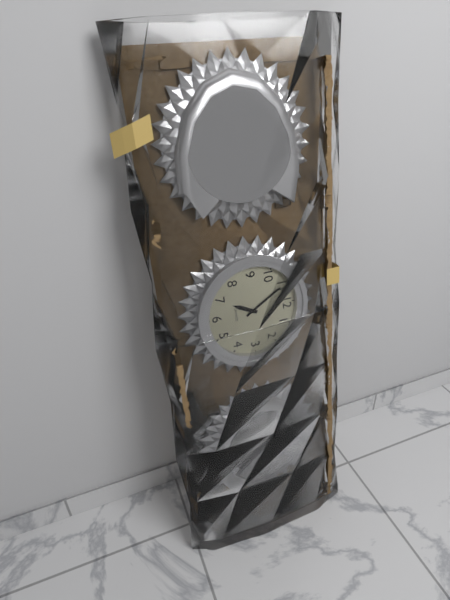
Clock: 6:55
